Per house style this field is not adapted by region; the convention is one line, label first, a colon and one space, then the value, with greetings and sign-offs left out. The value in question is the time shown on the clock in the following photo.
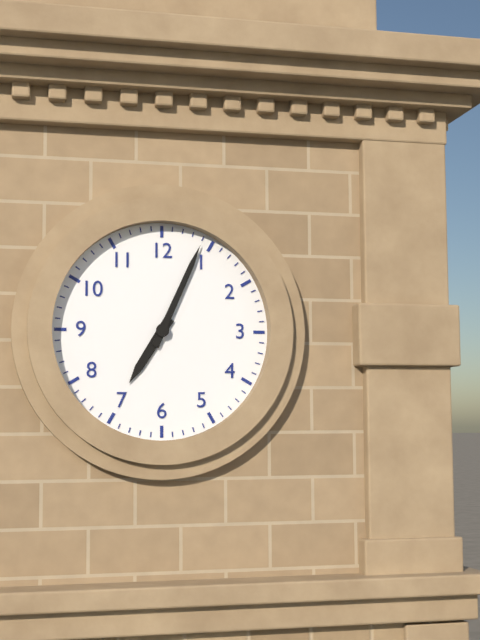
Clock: 7:04
